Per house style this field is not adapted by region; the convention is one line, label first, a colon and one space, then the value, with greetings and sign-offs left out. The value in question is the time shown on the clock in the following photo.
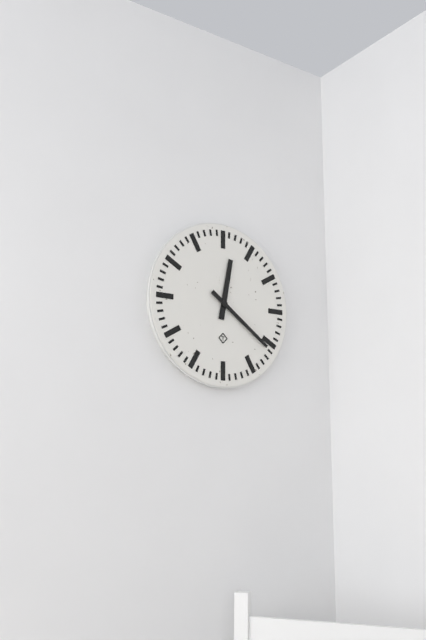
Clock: 12:21
